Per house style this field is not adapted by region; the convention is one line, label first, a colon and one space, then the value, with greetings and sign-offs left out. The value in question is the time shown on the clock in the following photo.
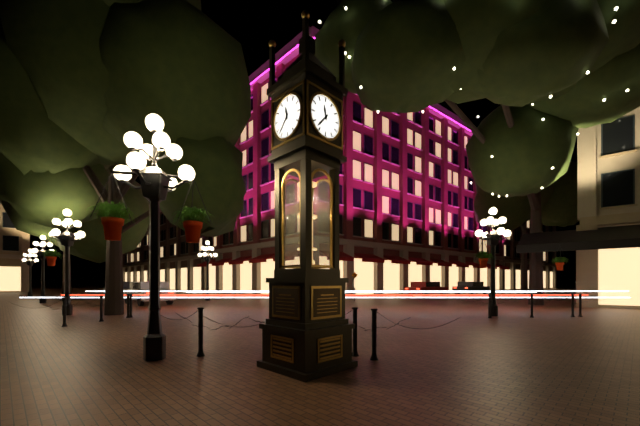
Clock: 11:37
